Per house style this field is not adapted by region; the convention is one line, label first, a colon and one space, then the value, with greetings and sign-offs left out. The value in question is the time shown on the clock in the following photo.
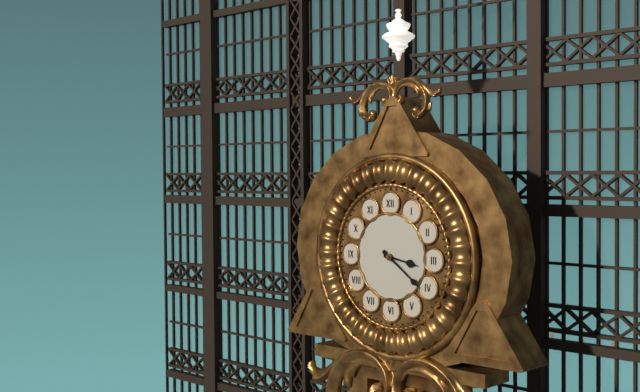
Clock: 3:21
